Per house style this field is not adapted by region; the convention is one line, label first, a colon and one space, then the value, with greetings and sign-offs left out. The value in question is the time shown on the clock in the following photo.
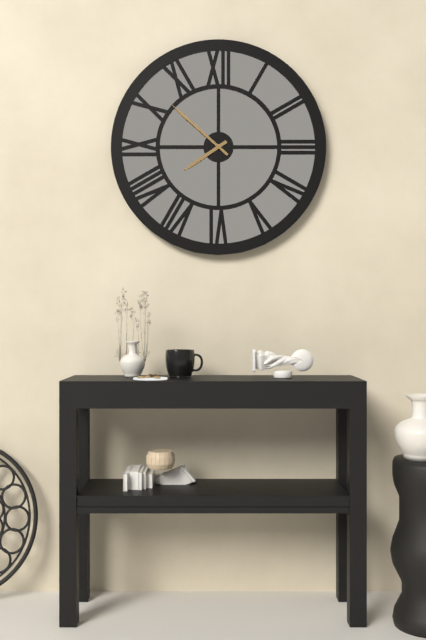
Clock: 7:52
